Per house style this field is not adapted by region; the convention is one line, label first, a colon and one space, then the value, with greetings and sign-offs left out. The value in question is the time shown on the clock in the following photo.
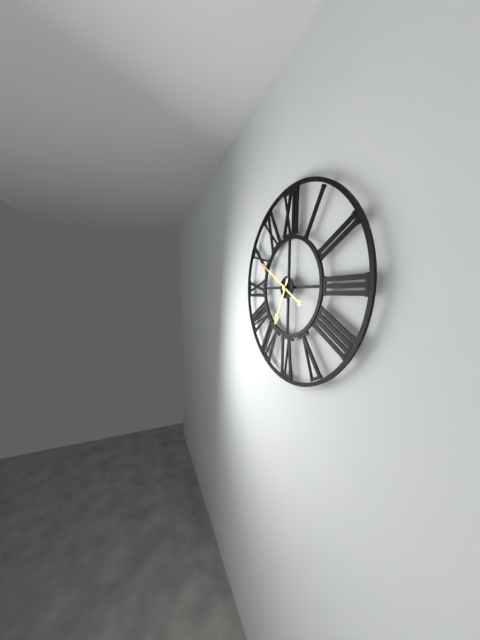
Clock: 6:50
